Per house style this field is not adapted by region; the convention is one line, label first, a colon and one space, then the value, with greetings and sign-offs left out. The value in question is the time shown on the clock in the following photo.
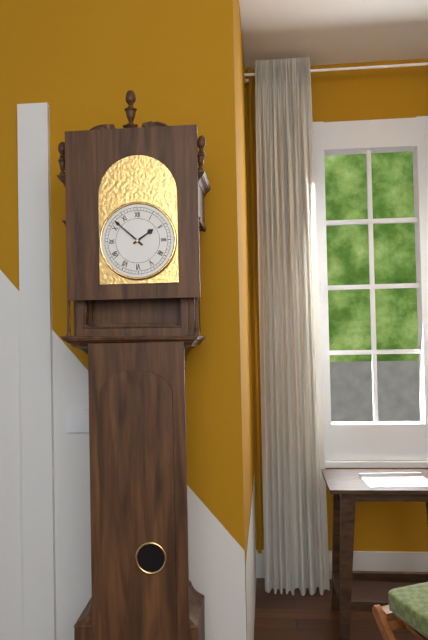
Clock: 1:52
